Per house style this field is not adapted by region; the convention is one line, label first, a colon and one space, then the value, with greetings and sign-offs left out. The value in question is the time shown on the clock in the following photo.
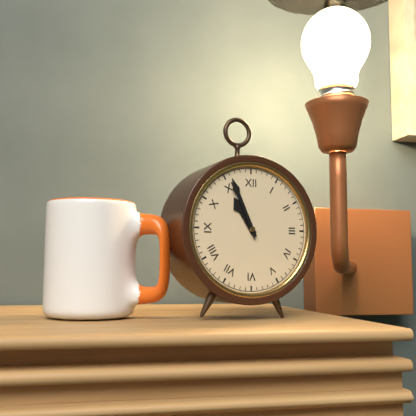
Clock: 10:56
